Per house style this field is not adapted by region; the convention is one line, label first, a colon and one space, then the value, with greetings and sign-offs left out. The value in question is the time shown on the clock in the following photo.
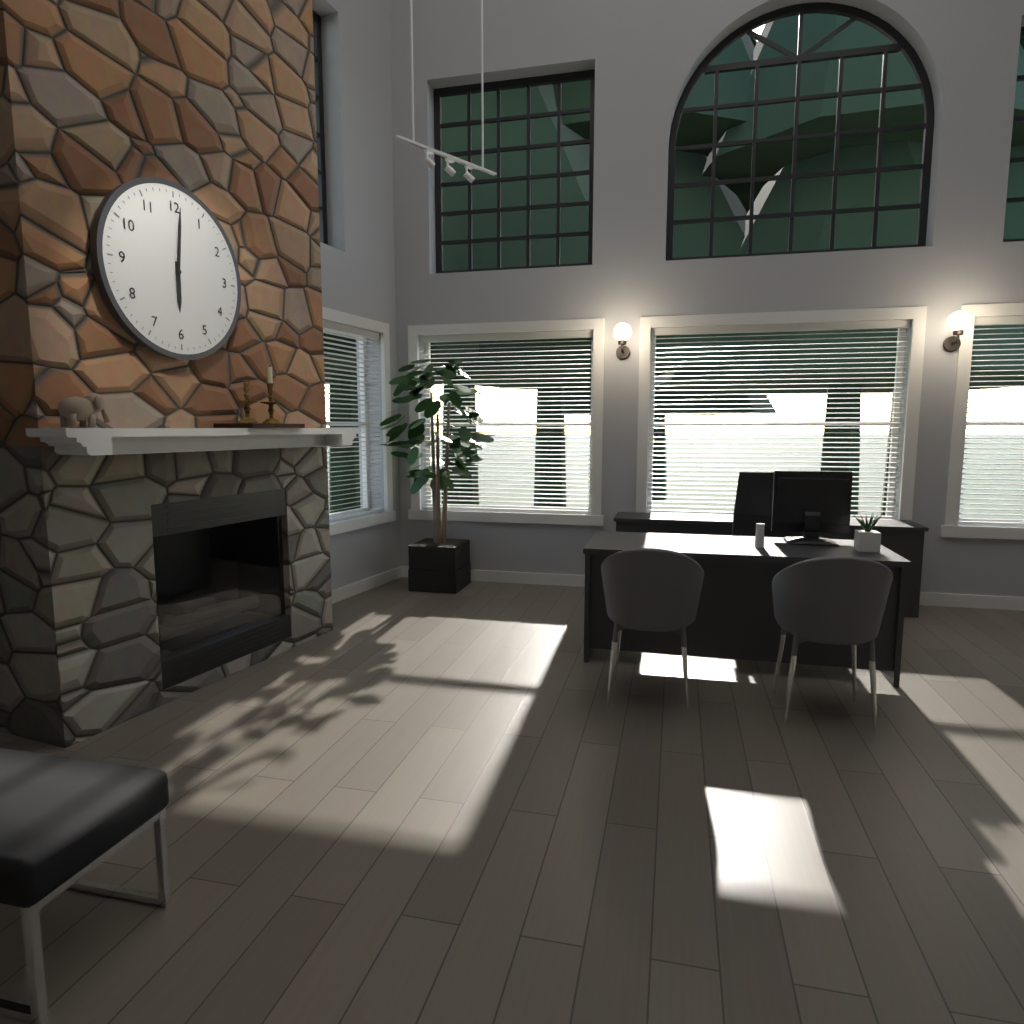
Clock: 6:01
